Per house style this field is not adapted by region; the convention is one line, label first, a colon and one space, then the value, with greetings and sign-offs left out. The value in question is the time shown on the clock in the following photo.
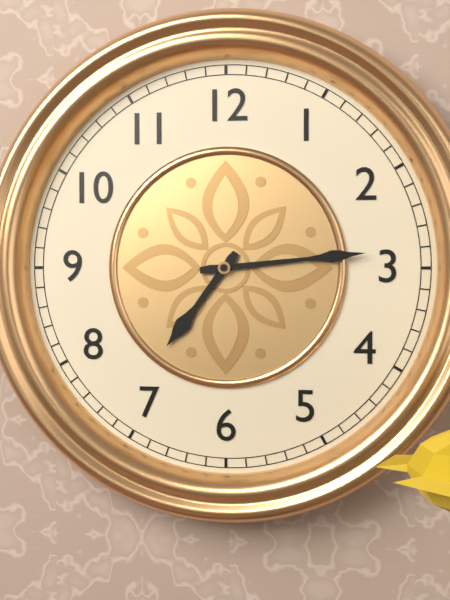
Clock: 7:14
